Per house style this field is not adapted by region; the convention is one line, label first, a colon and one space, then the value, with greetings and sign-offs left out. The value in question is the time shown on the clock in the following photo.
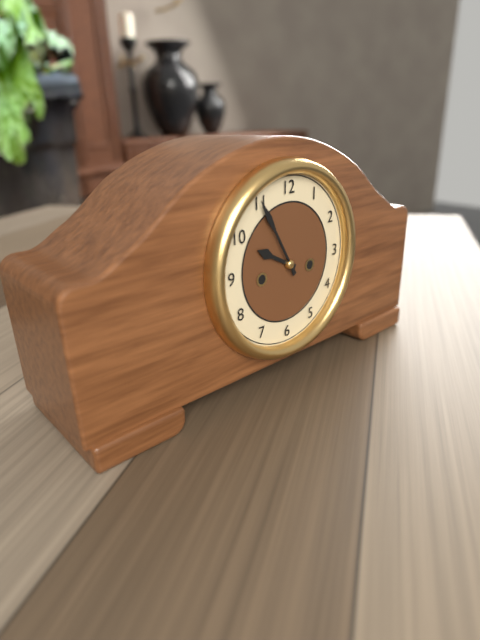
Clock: 9:55
